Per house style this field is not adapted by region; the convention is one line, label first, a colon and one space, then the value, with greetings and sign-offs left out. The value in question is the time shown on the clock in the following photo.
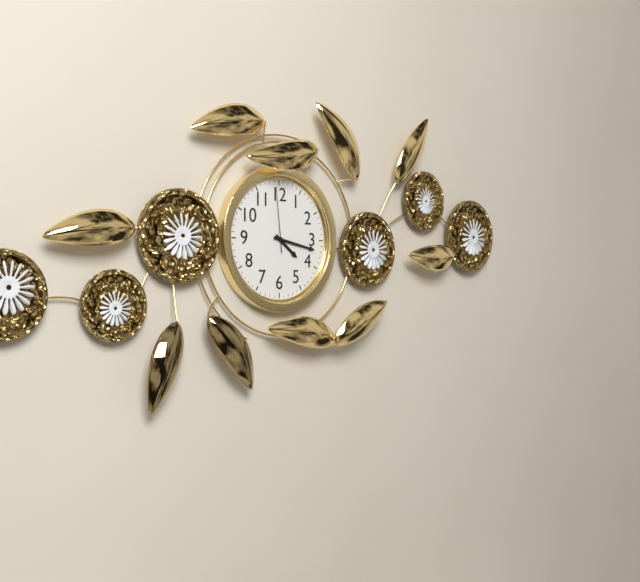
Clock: 4:17:59
